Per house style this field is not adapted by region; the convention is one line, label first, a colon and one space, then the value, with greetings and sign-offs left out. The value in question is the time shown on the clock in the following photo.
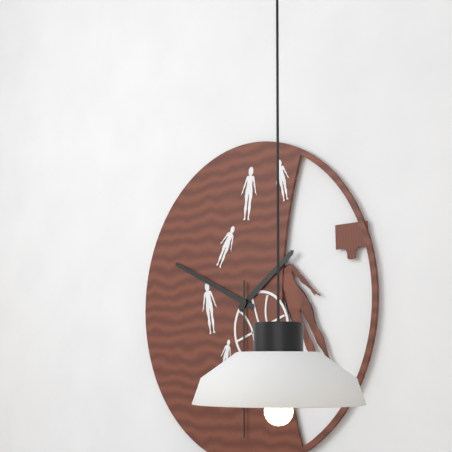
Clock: 1:49:30
